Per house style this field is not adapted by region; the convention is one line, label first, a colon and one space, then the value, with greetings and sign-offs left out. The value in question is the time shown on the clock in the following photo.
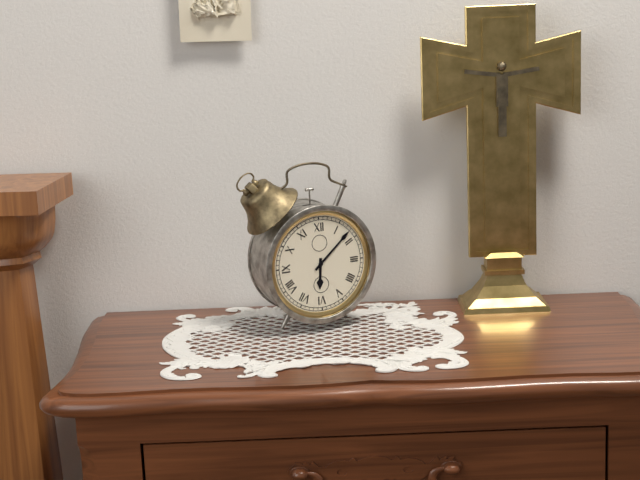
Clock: 6:08
